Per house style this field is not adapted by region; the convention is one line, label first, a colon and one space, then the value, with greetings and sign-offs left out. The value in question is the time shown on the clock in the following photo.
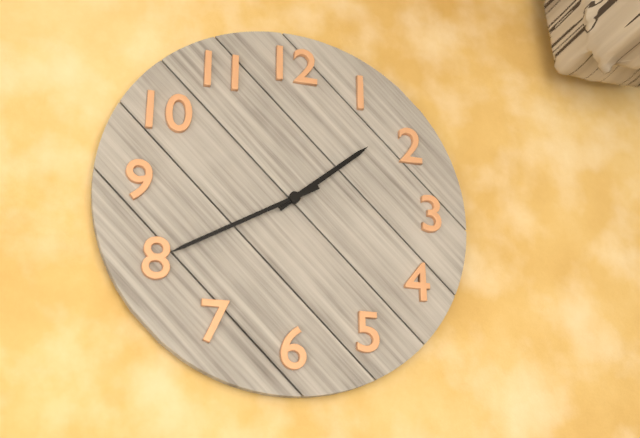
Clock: 1:40
